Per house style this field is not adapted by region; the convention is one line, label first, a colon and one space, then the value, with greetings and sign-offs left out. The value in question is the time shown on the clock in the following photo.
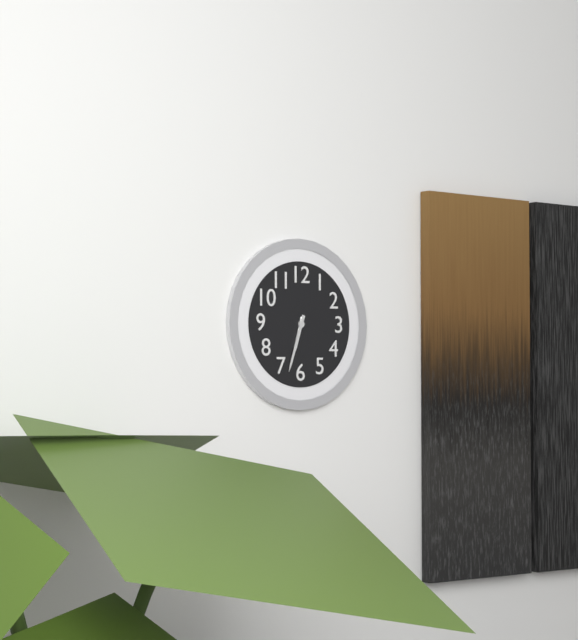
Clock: 6:33
